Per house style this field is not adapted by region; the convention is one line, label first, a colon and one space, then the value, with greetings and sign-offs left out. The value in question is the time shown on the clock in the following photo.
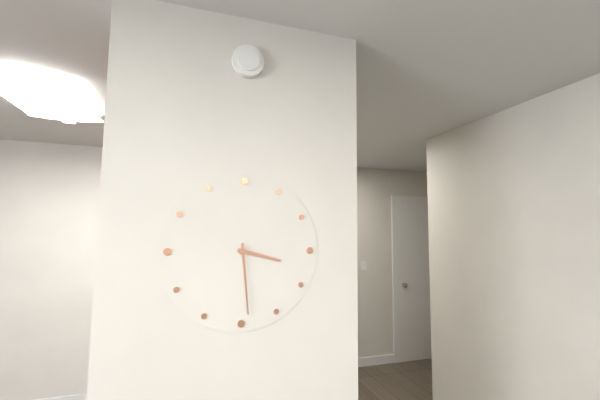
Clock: 3:29
